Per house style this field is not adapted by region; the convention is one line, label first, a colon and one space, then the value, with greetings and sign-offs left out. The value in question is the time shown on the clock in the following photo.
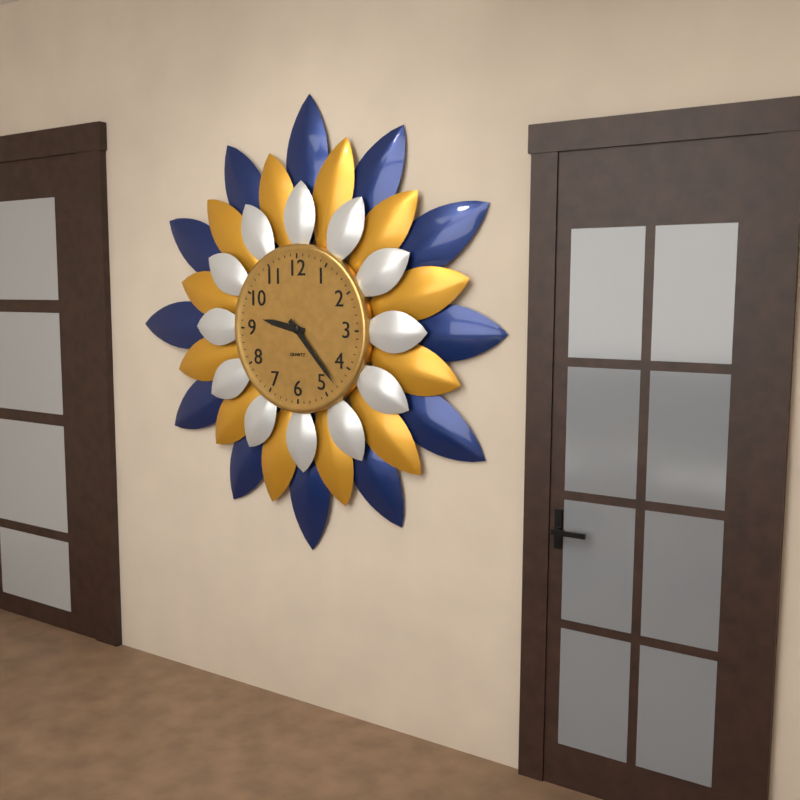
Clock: 9:23
